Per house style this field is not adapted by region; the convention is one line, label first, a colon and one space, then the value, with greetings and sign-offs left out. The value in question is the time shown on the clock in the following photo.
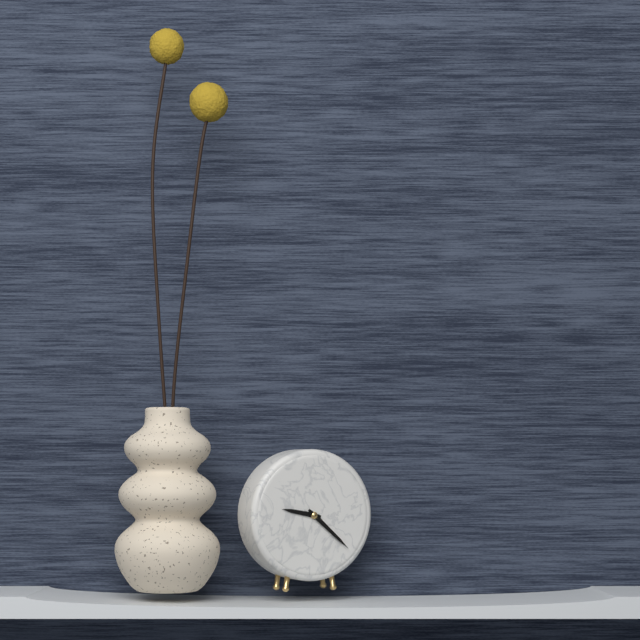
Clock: 9:22
